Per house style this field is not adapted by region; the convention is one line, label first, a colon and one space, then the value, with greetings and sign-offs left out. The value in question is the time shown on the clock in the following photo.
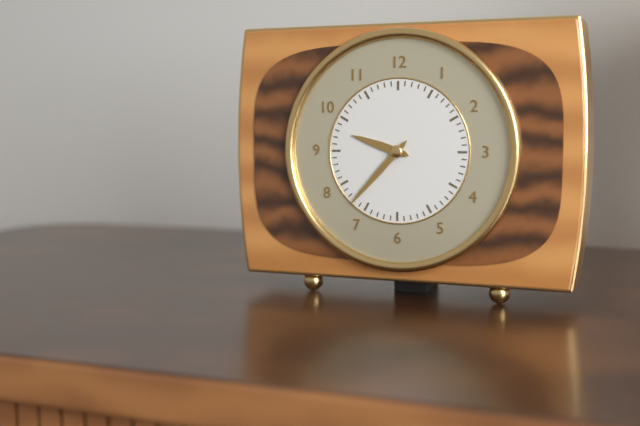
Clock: 9:37
